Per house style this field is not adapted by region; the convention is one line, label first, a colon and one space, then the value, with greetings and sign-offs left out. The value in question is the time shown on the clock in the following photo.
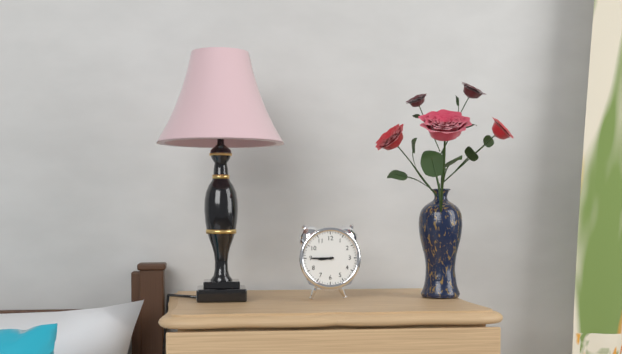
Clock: 8:45
